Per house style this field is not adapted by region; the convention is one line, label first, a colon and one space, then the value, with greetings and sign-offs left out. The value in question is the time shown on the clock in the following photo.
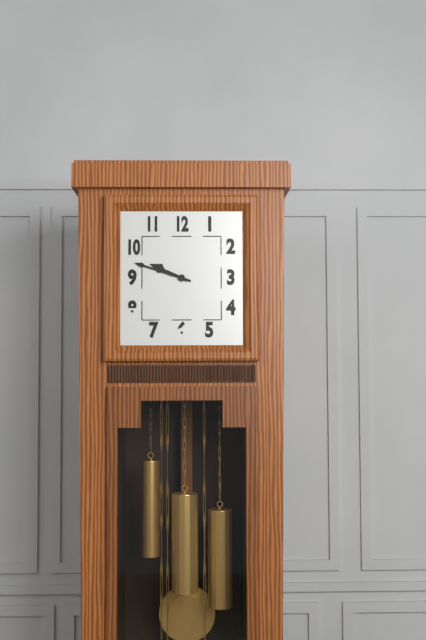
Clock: 9:48
